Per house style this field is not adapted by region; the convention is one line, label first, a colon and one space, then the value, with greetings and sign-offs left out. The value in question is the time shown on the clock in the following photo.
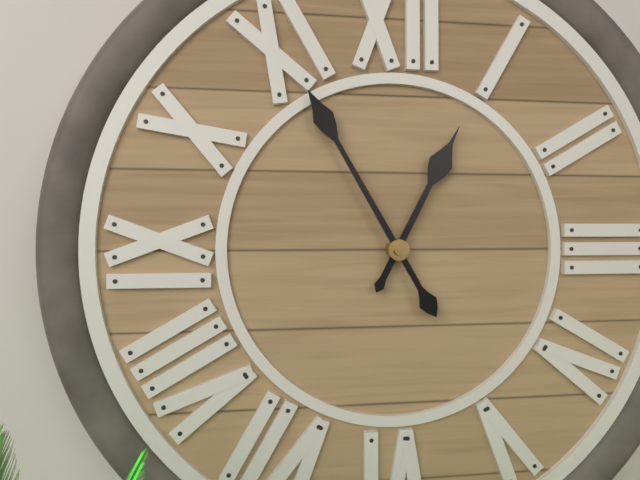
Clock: 12:55
